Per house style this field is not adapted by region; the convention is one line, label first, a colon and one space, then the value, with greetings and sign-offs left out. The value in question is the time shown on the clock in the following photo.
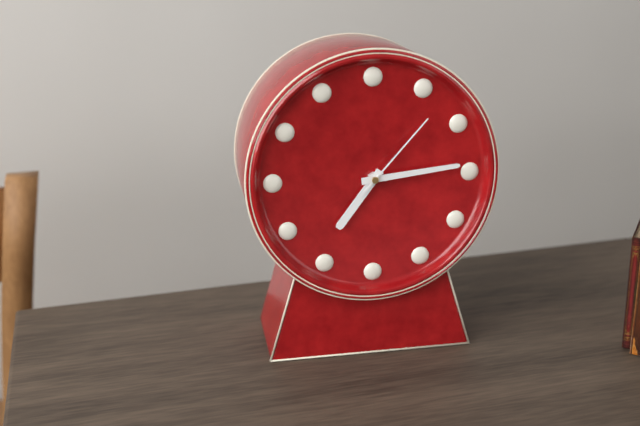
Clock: 7:14:07
